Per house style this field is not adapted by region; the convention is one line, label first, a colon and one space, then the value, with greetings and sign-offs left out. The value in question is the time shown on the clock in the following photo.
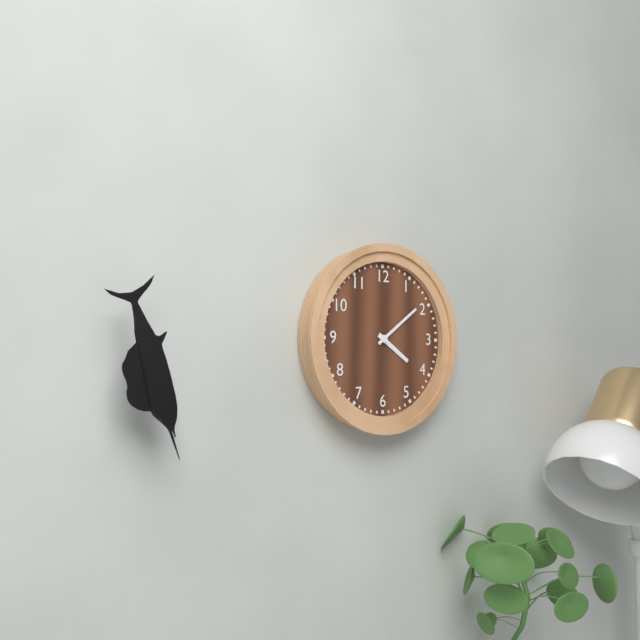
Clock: 4:09
